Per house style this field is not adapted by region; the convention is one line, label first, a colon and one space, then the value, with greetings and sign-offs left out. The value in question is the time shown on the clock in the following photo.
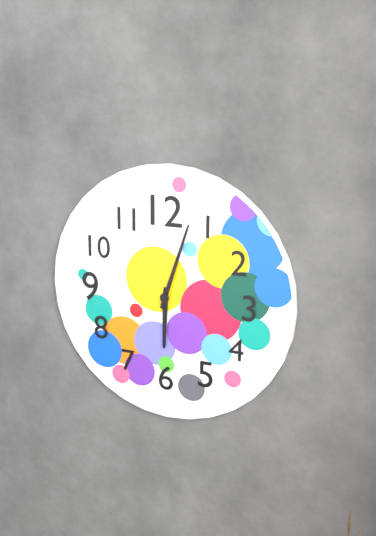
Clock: 6:03
